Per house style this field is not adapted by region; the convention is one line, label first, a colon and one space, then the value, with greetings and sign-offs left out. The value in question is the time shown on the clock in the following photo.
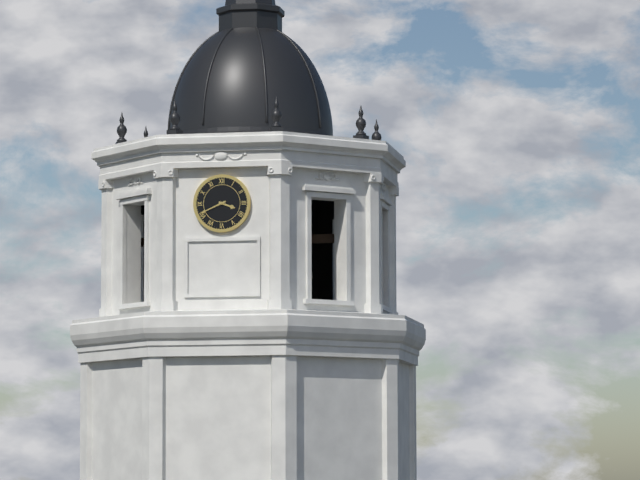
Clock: 3:41
